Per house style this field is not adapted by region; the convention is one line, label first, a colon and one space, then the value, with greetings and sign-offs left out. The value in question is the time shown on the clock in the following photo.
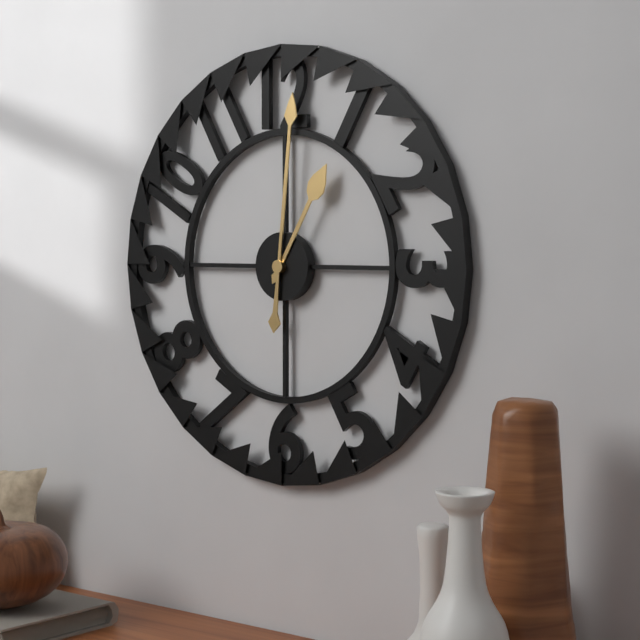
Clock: 1:01
